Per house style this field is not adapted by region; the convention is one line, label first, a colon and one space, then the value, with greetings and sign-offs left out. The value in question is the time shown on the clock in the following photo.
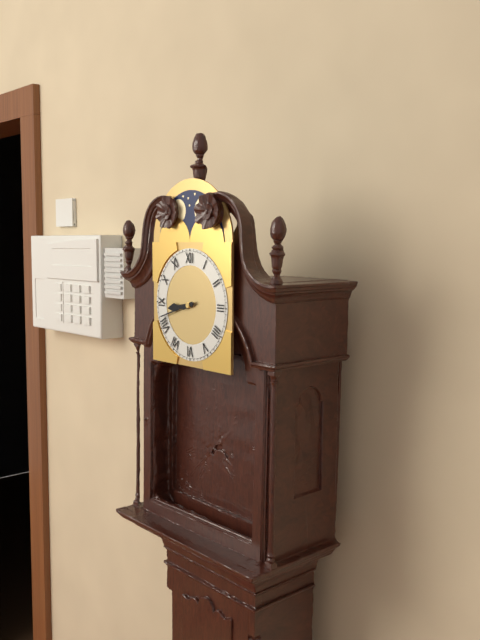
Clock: 8:42
